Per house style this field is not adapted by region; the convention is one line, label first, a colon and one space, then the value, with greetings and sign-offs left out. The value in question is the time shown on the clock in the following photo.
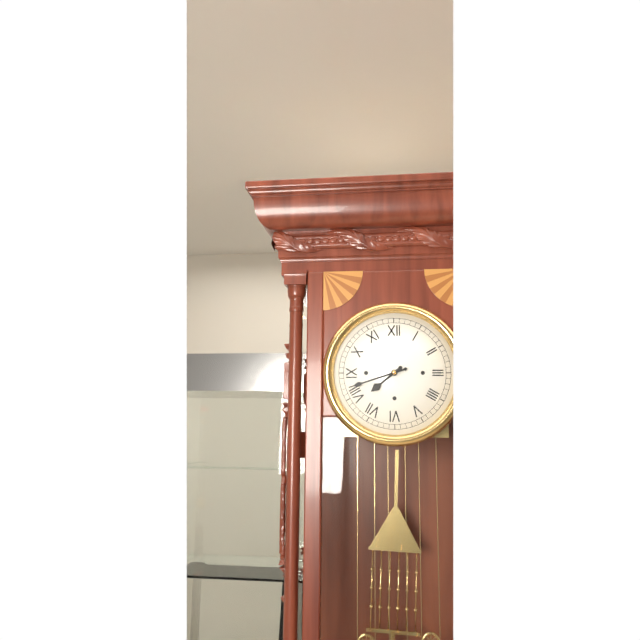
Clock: 7:42
